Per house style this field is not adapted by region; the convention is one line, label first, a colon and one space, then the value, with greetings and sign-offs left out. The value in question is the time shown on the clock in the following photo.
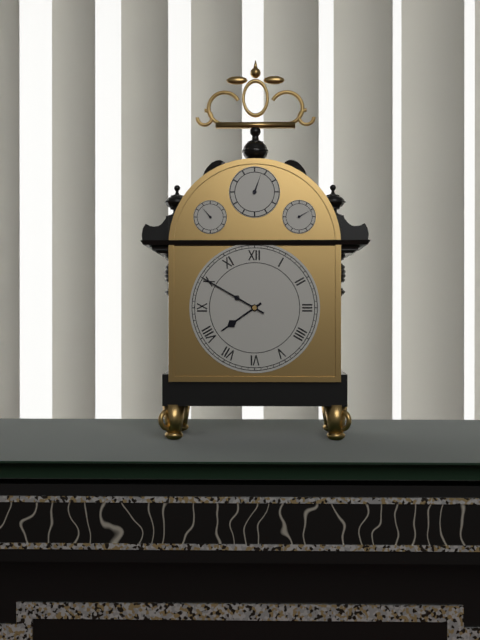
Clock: 7:50
